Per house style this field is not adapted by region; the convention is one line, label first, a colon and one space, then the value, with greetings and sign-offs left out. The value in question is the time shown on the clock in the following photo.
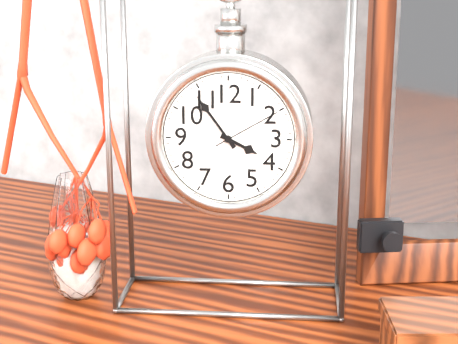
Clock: 3:54:10
